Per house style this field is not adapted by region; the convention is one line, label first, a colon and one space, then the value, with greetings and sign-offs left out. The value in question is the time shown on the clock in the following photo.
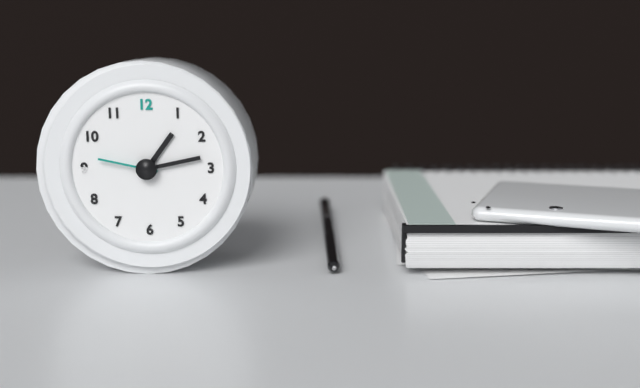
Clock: 1:13:47
